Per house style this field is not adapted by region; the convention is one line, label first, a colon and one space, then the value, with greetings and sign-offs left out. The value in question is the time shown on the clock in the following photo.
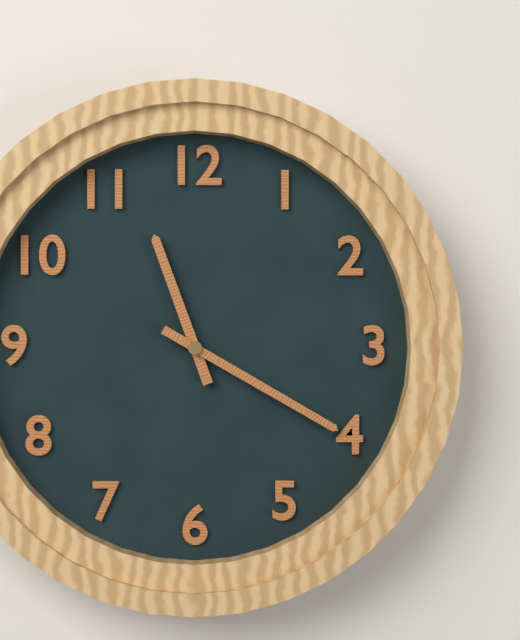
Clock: 11:20
